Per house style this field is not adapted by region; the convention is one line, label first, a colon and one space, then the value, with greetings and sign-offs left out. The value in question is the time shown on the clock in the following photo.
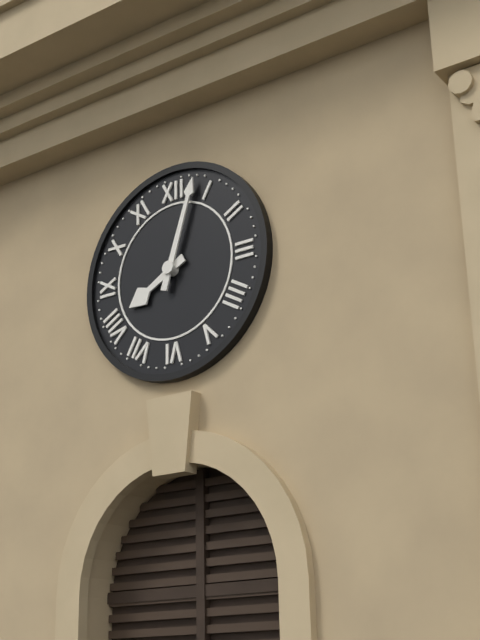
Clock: 8:03
